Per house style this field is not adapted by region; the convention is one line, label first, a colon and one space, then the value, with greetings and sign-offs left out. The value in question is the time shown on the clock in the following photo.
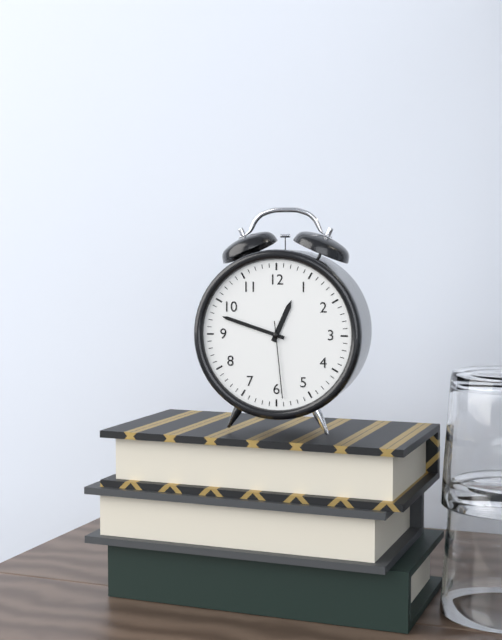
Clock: 12:48:29
